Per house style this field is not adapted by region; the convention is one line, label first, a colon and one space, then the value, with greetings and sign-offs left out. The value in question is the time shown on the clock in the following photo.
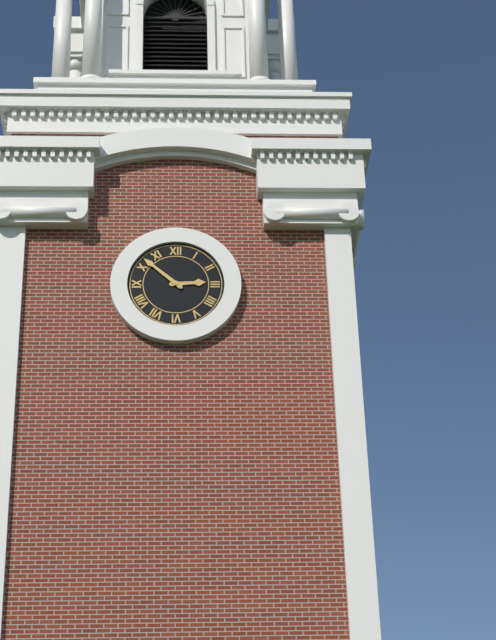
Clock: 2:52
